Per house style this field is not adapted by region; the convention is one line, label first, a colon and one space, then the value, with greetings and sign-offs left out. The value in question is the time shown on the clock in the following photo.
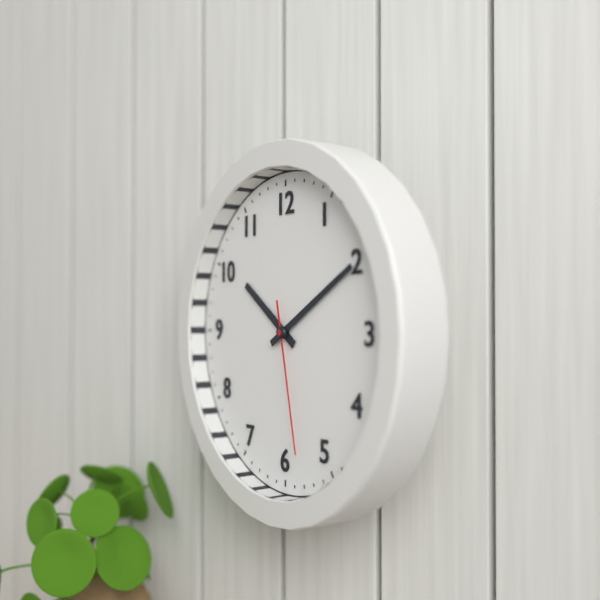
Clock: 10:10:28
